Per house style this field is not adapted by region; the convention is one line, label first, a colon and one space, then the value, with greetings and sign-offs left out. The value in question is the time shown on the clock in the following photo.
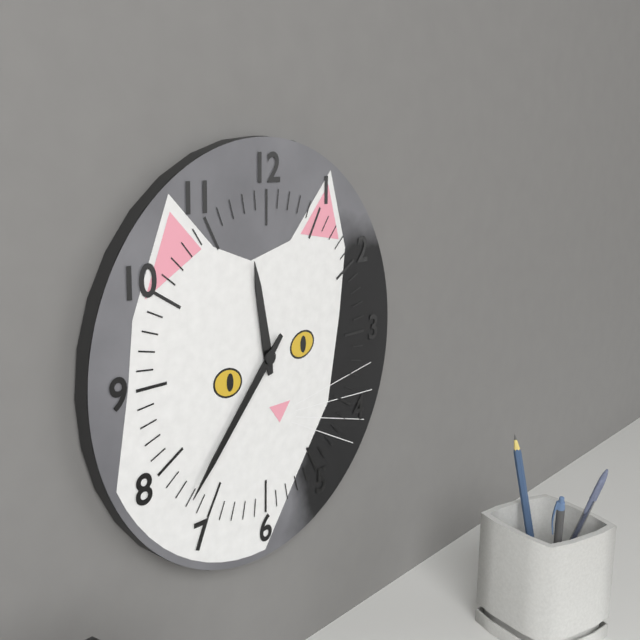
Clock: 11:37
